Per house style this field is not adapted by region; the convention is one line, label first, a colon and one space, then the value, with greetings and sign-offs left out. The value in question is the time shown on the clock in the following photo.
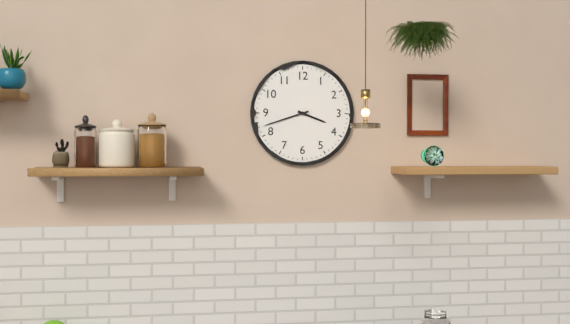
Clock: 3:42
